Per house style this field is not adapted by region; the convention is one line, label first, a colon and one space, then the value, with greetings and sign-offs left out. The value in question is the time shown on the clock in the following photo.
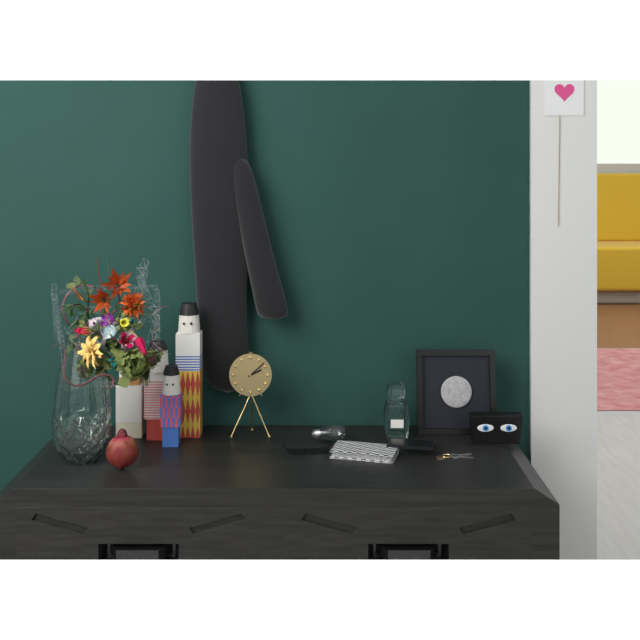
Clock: 2:08
